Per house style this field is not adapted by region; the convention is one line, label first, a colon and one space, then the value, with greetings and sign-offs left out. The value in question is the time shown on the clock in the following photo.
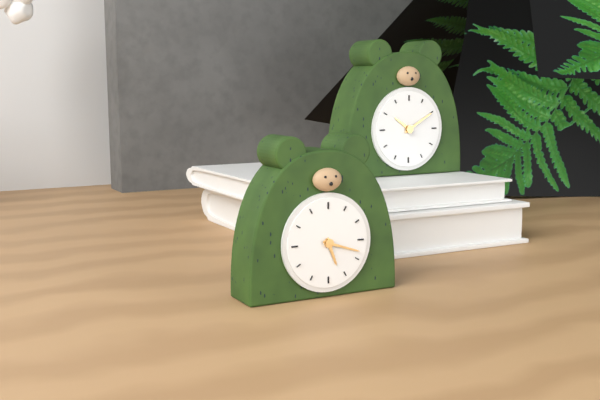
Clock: 5:18
